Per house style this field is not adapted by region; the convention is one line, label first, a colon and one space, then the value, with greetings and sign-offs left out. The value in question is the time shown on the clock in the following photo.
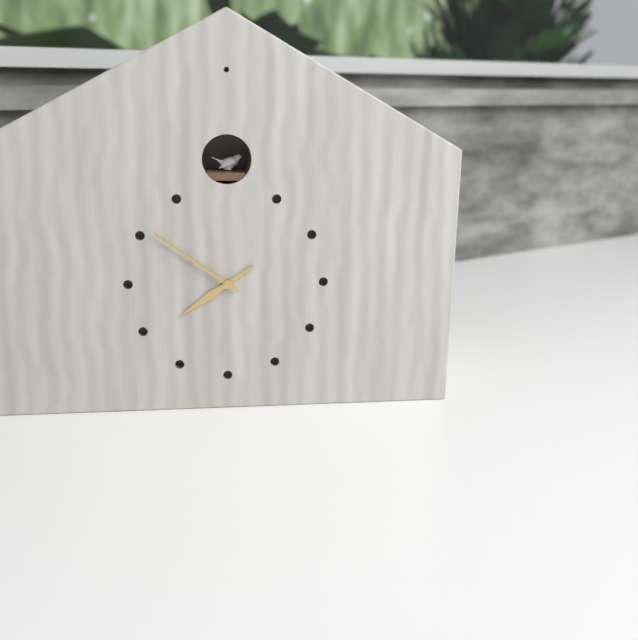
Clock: 7:51
